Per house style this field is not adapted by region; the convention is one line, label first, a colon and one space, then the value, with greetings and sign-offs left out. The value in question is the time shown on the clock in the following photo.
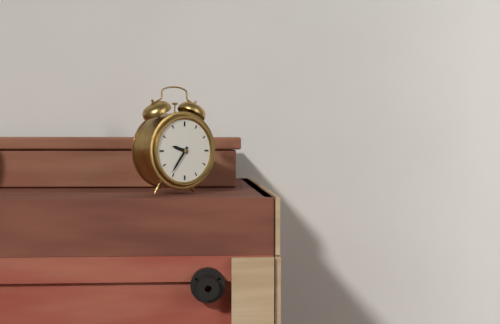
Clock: 9:36
